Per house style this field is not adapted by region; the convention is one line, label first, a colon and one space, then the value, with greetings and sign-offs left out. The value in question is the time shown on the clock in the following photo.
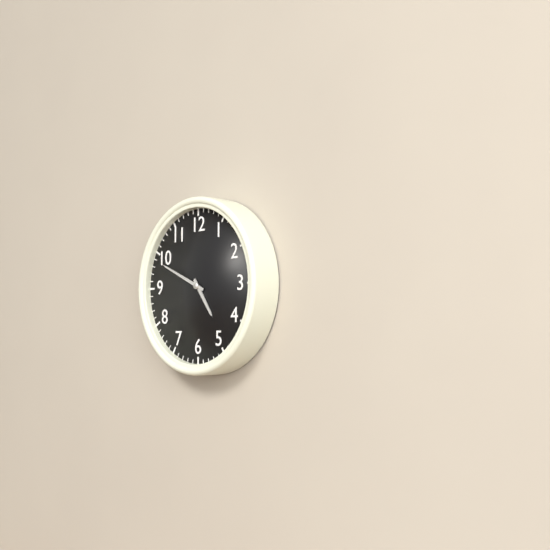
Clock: 4:49
